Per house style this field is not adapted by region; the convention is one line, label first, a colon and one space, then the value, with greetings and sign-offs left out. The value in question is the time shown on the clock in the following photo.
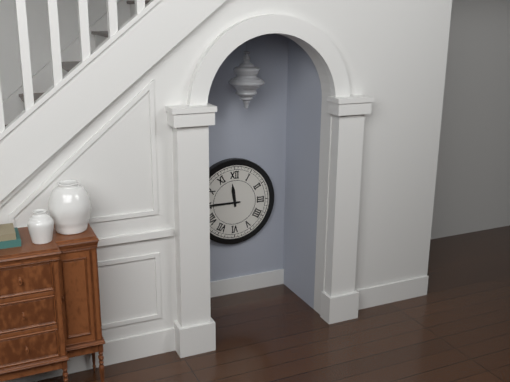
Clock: 11:45
